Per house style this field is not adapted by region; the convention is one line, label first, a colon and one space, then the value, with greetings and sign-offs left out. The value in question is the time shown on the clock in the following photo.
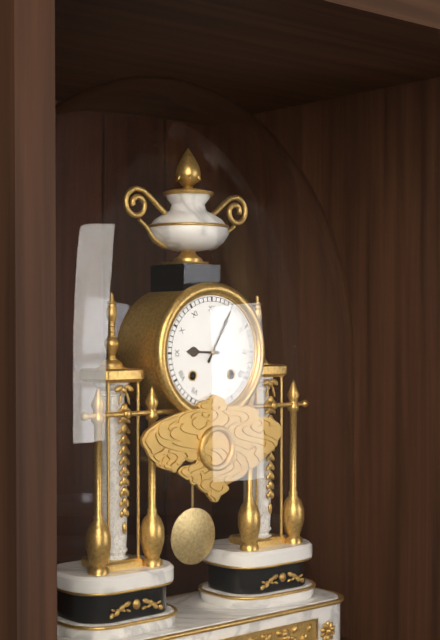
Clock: 9:05
